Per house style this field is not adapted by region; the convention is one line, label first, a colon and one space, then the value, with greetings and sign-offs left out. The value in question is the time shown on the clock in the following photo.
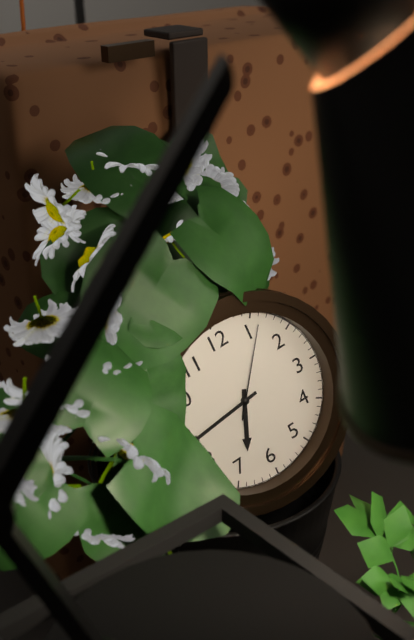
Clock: 6:44:06
